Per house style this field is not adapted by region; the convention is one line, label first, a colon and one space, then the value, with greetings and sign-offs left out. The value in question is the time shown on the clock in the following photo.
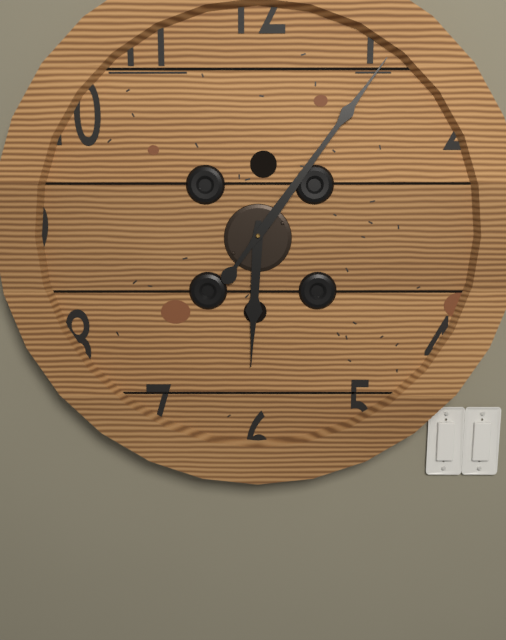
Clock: 6:06
